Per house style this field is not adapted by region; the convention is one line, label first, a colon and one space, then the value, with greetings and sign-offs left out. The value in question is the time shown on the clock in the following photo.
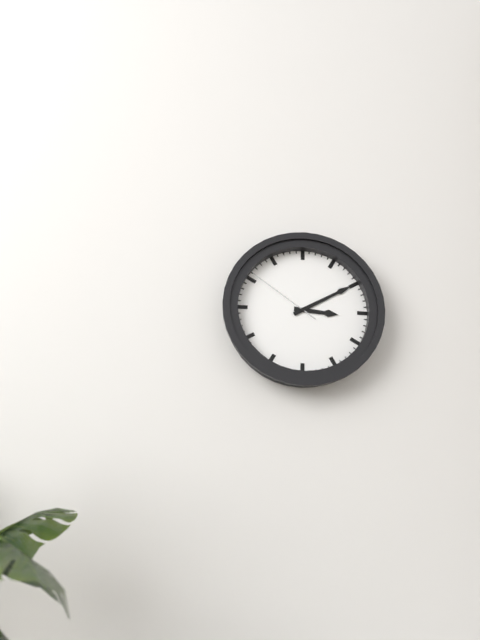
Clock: 3:10:51
